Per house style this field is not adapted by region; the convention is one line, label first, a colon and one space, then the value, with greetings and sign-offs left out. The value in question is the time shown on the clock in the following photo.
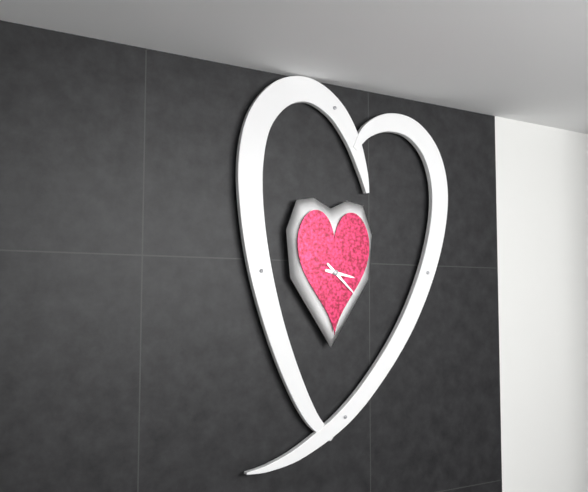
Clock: 3:22
